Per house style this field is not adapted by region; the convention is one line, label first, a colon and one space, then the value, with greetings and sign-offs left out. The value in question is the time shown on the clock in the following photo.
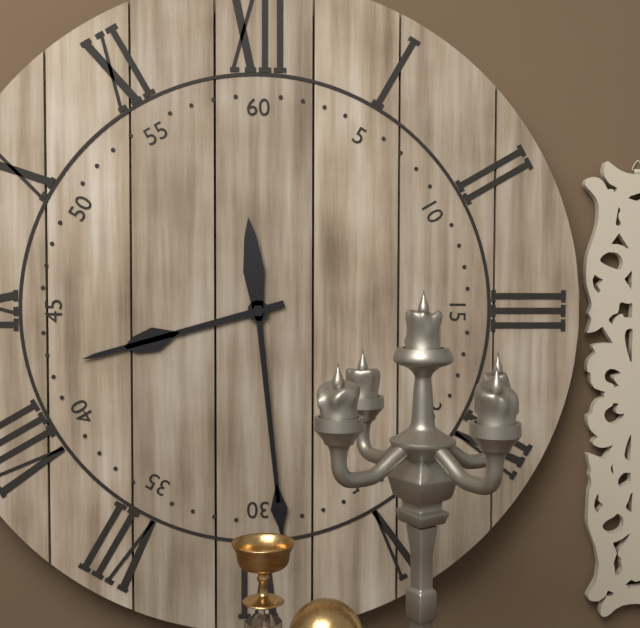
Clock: 8:29
